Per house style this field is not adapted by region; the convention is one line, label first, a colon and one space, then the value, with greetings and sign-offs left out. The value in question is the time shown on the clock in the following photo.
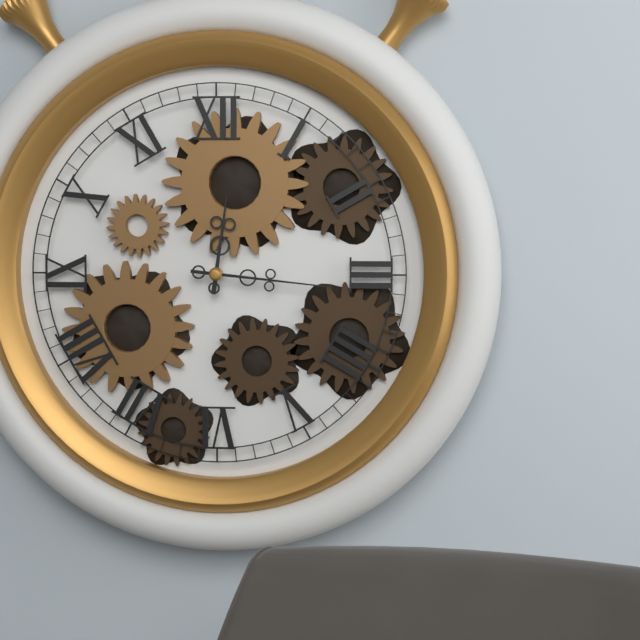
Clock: 12:16
